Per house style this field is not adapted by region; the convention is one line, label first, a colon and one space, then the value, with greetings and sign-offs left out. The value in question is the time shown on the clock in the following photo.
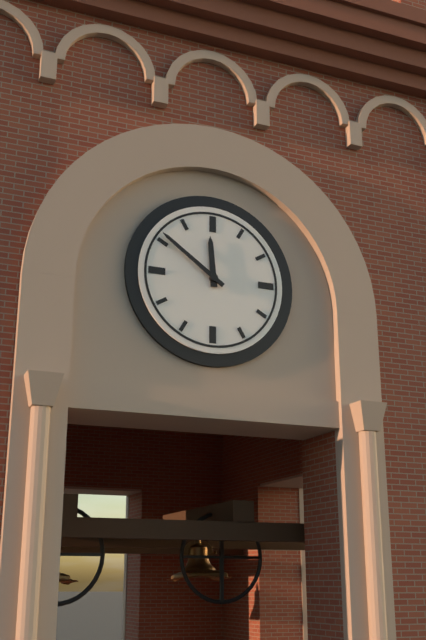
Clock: 11:51
